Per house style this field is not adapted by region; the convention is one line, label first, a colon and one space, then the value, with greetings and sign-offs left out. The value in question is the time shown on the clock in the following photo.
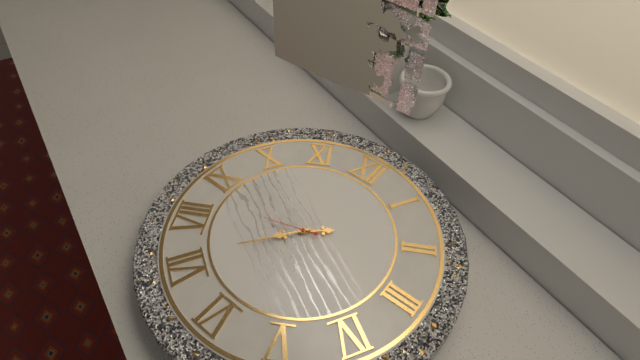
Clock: 1:36:42
